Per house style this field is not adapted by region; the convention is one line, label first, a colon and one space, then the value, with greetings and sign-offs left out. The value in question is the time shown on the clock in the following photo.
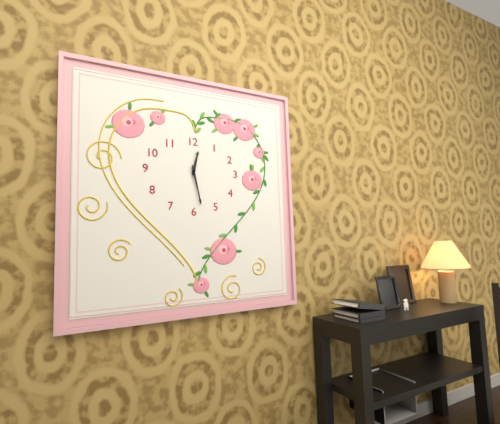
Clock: 12:28
